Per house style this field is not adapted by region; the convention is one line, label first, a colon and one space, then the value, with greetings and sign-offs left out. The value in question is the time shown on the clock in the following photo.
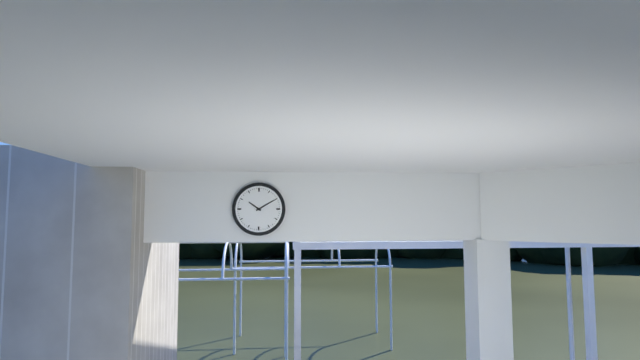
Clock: 10:10
